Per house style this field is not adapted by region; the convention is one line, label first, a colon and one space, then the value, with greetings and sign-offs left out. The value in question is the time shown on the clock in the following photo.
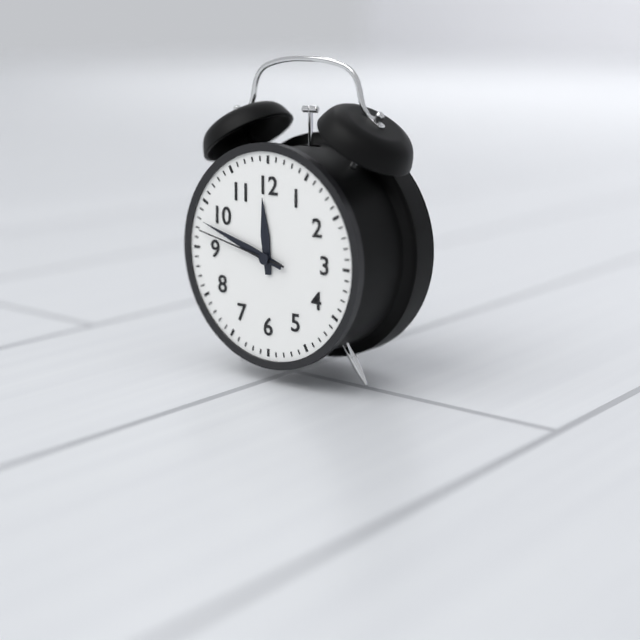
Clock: 11:48:47
